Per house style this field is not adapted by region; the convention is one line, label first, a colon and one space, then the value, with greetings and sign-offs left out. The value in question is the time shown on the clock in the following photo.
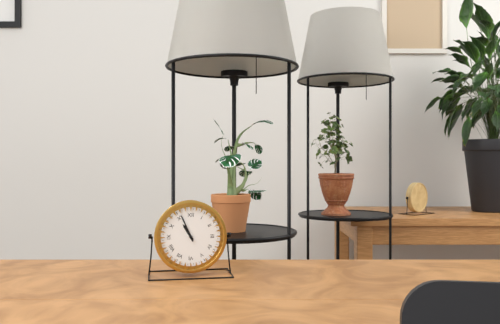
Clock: 10:56
